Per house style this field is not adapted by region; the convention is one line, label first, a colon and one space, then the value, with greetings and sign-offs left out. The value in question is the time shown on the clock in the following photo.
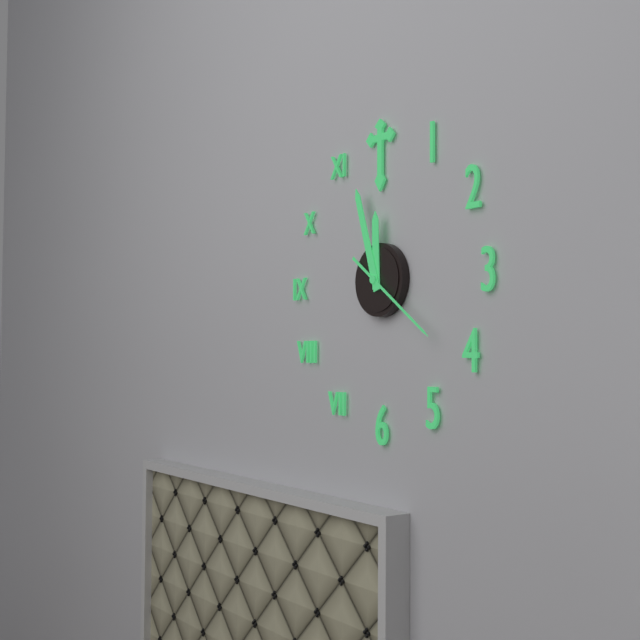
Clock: 11:57:21
